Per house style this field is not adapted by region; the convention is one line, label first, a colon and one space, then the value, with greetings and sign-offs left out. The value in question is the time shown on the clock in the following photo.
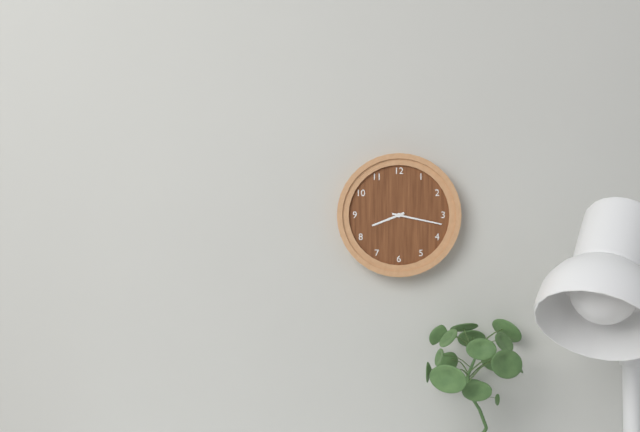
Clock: 8:17
